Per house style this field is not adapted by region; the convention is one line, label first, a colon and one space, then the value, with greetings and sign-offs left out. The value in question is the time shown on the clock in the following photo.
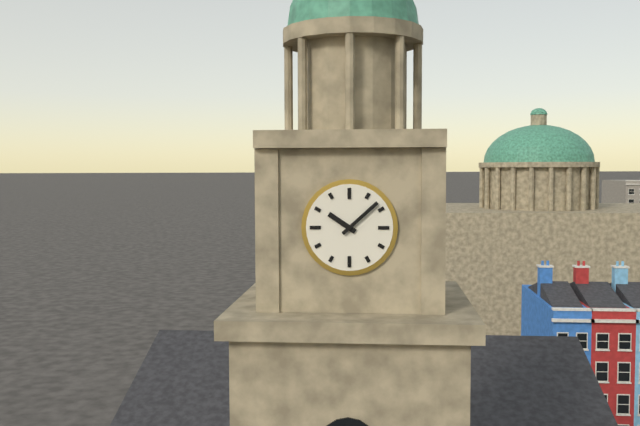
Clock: 10:08
